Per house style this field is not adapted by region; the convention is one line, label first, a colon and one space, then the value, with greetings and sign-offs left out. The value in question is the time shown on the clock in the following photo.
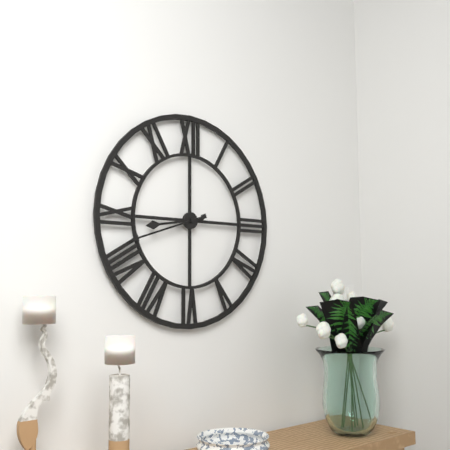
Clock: 8:42
